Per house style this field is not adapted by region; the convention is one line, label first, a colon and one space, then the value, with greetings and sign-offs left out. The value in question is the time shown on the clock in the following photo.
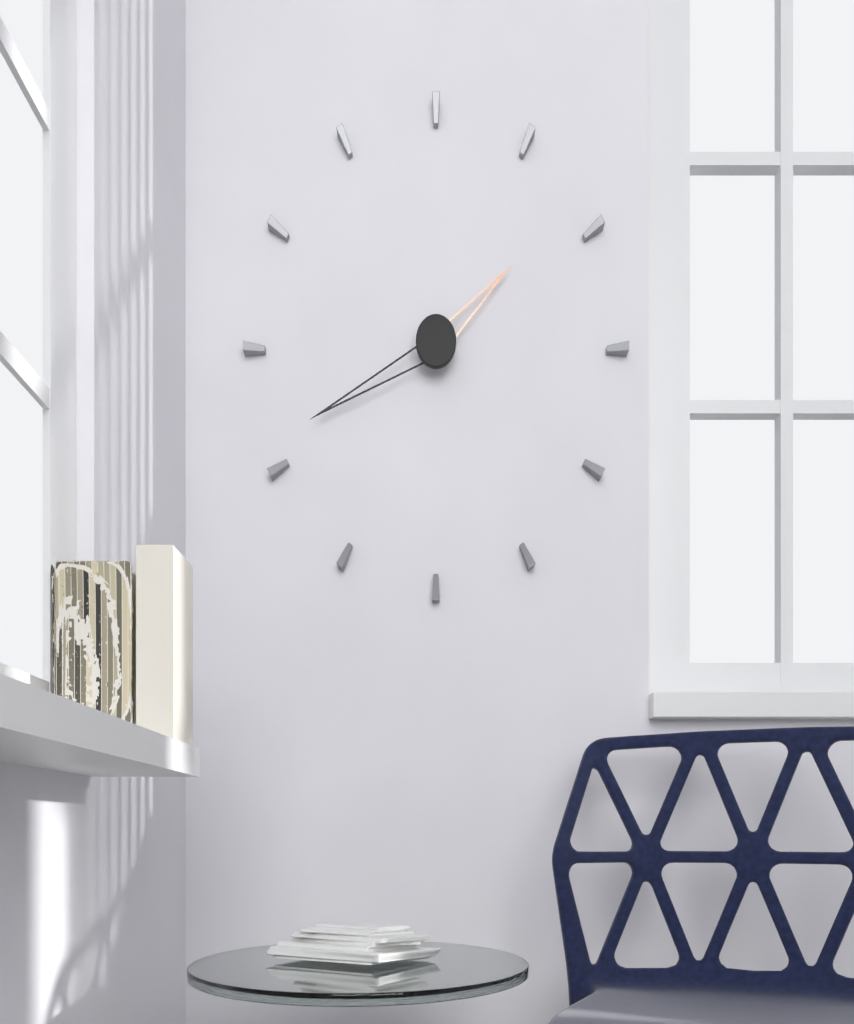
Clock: 1:41
